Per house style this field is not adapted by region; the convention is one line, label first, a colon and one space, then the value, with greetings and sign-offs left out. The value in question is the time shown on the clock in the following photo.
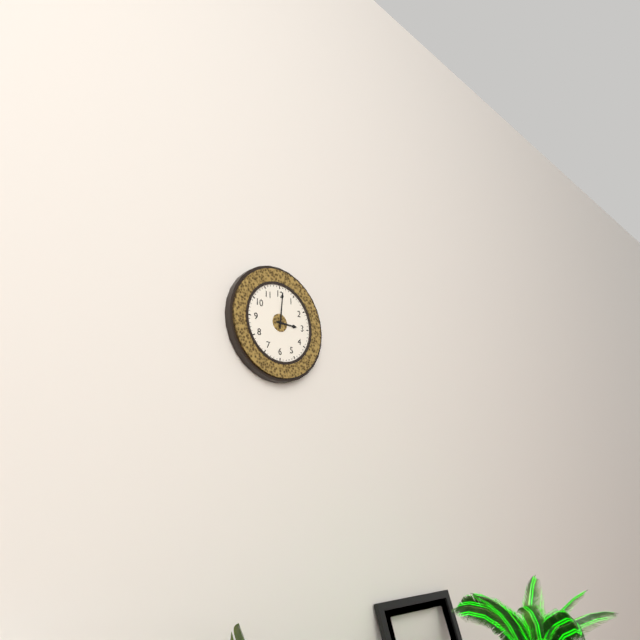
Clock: 3:01
